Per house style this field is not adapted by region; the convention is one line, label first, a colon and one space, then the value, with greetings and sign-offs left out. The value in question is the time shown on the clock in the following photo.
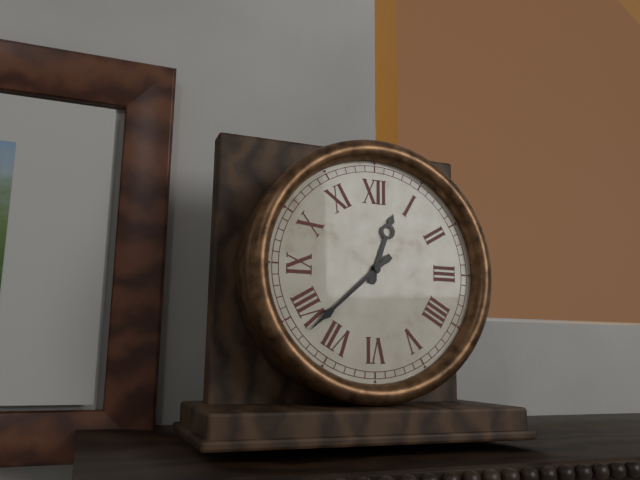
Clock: 12:38
